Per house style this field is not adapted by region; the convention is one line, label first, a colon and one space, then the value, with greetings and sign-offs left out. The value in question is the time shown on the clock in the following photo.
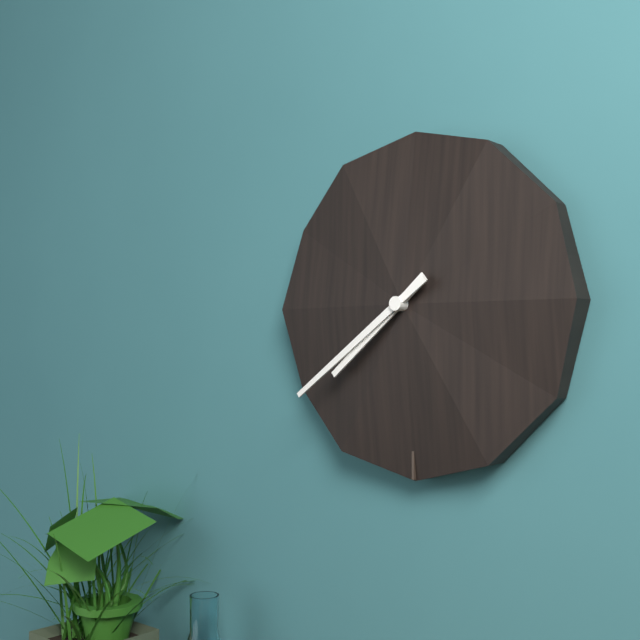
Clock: 7:39
